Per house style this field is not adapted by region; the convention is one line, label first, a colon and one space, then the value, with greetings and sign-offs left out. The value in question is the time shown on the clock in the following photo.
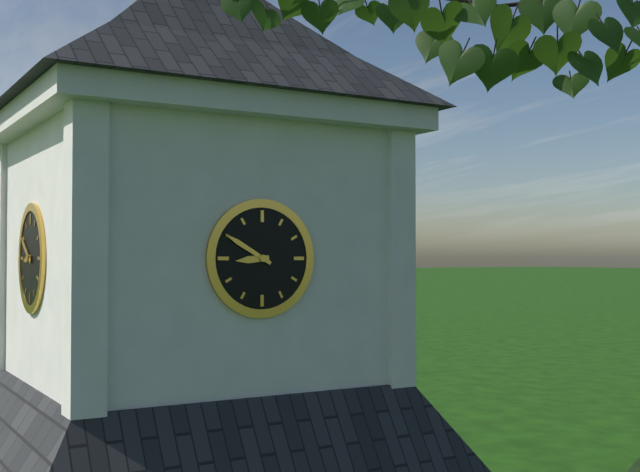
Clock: 8:50
